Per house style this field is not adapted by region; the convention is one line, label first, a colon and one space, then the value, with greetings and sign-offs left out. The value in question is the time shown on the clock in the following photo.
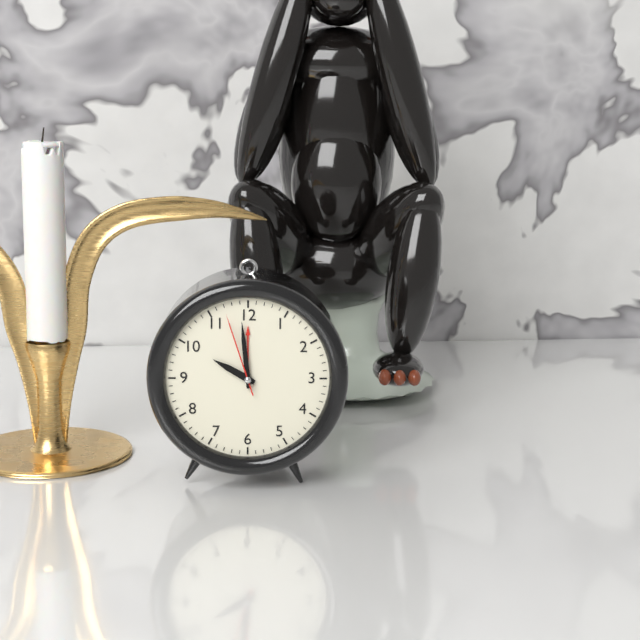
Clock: 9:59:57
